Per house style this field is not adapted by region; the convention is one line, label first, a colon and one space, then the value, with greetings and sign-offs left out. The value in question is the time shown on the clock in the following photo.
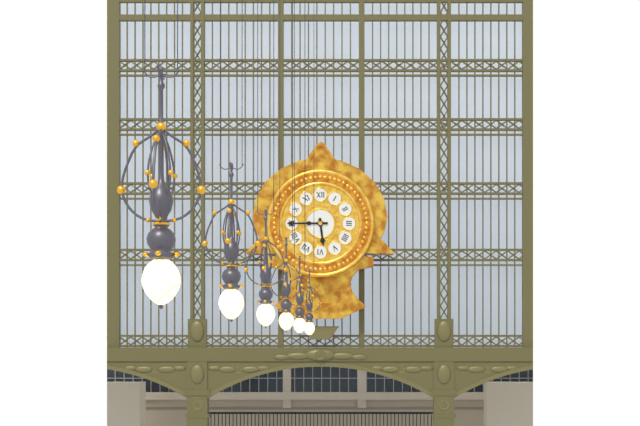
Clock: 5:45
